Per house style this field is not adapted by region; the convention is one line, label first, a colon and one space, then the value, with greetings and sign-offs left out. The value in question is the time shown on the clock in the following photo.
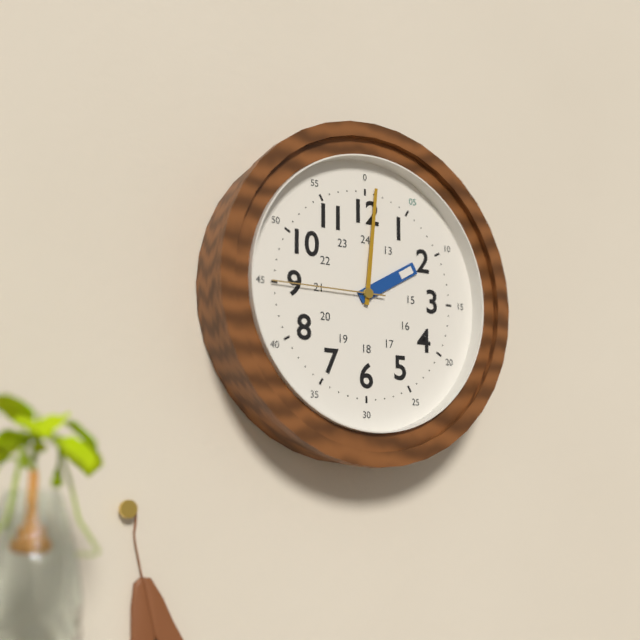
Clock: 2:01:45
